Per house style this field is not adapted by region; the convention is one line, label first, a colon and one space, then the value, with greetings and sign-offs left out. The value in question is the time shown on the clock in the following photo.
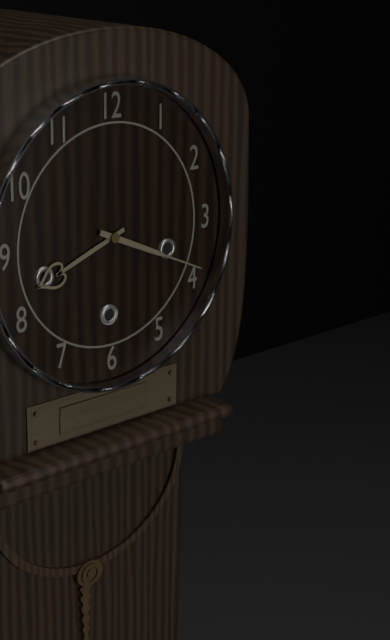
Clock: 8:19
